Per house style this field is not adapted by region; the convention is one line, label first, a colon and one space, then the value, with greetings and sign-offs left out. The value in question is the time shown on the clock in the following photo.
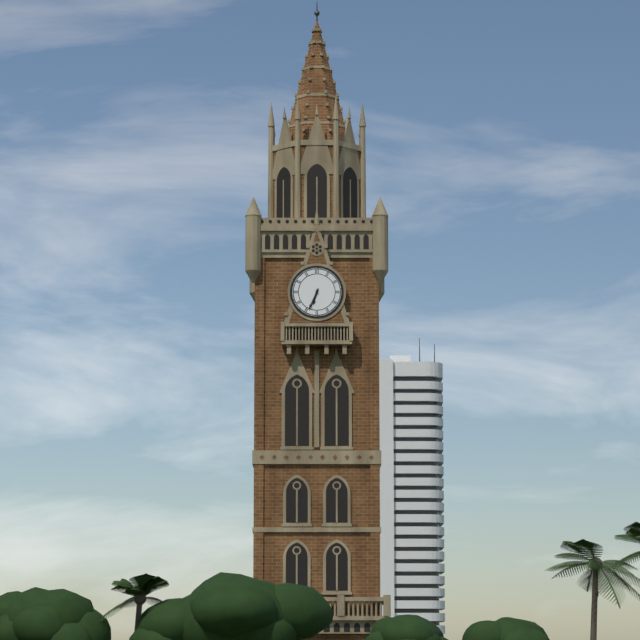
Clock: 6:34
